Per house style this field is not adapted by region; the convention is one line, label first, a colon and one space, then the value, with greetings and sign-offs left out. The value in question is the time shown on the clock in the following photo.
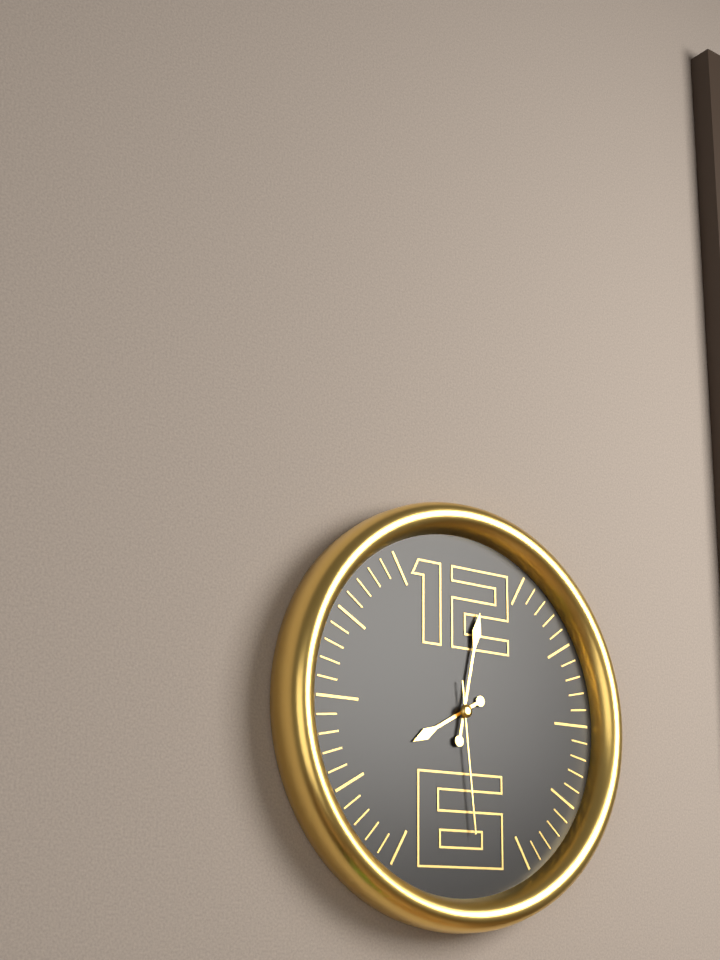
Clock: 8:02:29
